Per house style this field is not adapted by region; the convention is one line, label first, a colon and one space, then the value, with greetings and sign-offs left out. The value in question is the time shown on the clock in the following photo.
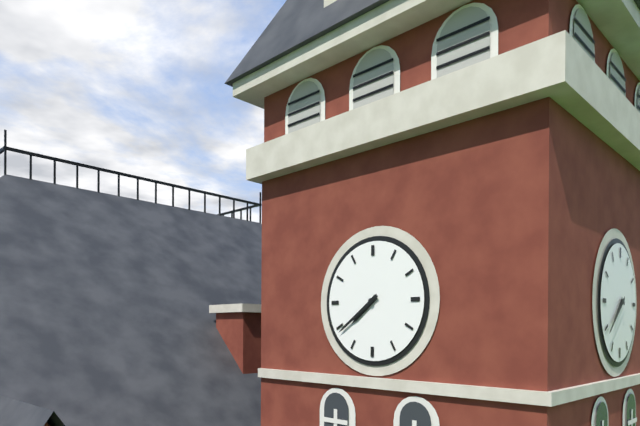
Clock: 7:39
